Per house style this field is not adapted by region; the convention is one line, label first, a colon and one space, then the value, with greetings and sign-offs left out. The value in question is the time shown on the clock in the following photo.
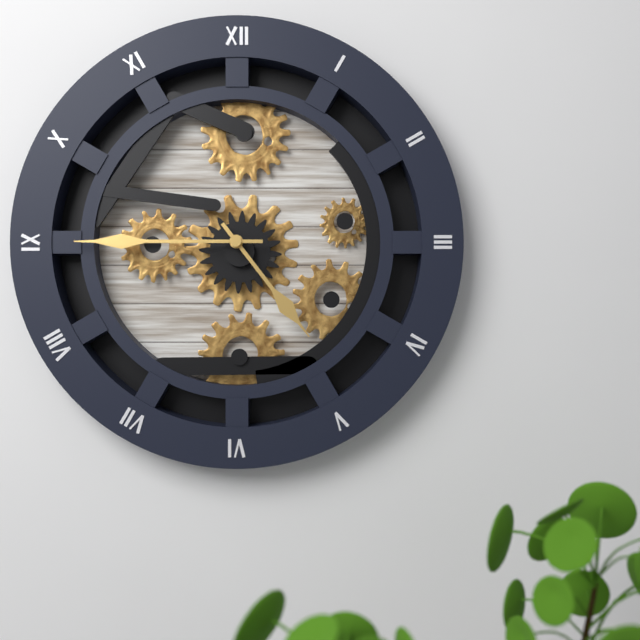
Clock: 4:45
